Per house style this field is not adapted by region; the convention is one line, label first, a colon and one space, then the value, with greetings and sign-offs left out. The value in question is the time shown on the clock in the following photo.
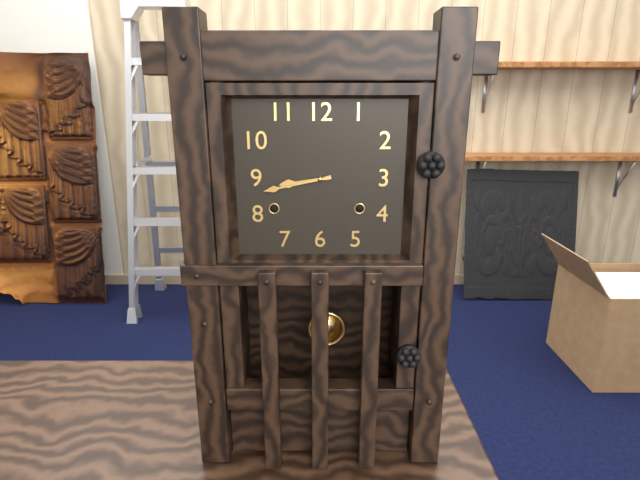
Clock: 8:43
